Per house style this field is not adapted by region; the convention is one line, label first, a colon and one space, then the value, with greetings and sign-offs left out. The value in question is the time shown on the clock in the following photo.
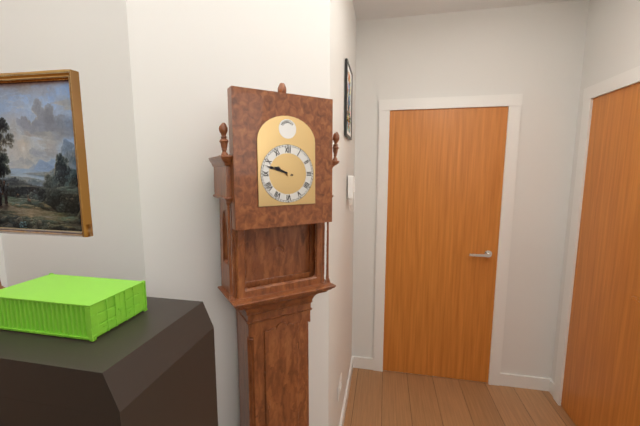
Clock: 9:48
